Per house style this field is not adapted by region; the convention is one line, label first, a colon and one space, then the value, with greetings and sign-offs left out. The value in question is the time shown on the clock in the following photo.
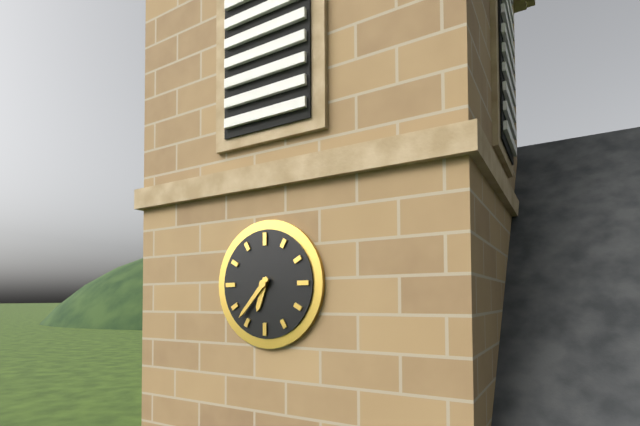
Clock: 6:37
